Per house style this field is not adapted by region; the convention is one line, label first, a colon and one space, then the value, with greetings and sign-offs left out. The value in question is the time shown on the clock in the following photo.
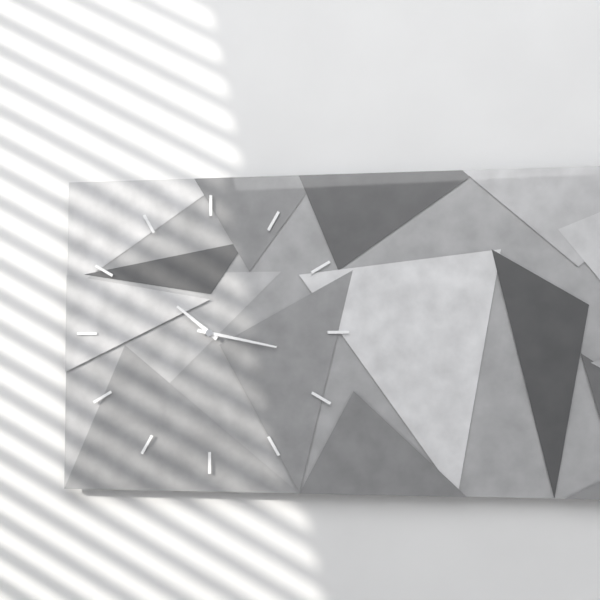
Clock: 10:17
